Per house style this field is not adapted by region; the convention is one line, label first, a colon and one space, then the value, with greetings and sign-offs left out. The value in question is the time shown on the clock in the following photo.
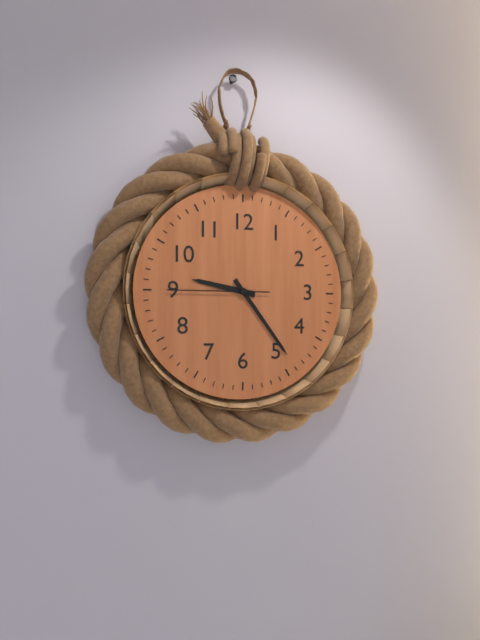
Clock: 9:24:45
